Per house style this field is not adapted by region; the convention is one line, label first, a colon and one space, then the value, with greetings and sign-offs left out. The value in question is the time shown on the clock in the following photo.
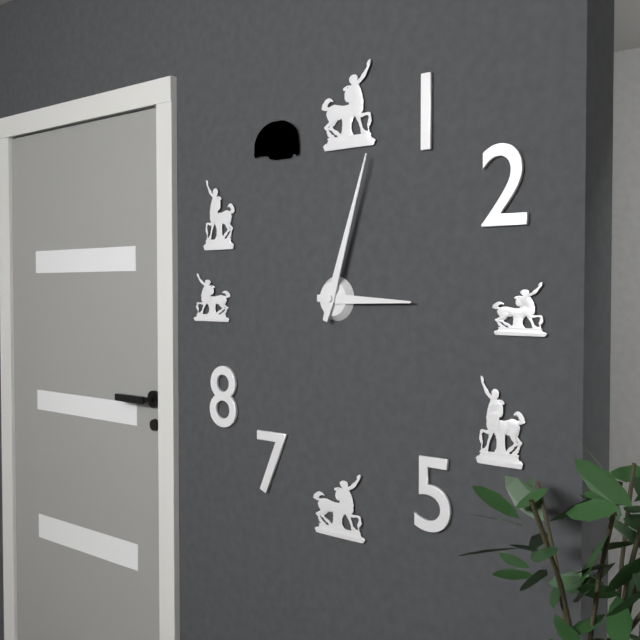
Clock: 3:03
